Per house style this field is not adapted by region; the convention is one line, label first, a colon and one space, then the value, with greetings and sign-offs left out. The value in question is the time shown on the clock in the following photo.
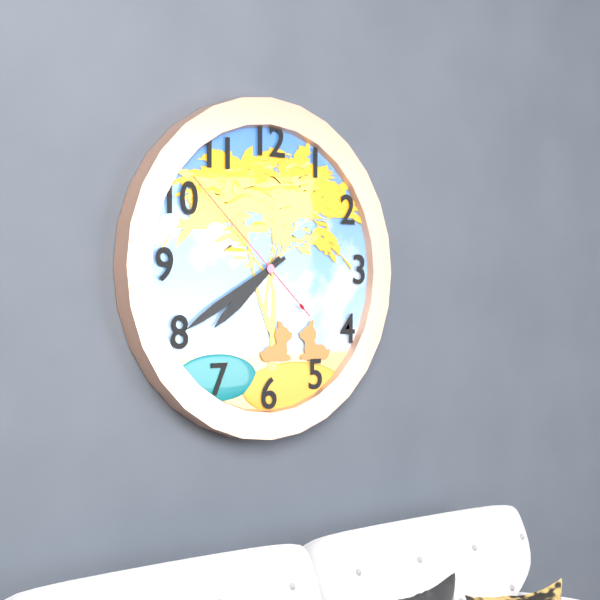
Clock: 7:40:52
